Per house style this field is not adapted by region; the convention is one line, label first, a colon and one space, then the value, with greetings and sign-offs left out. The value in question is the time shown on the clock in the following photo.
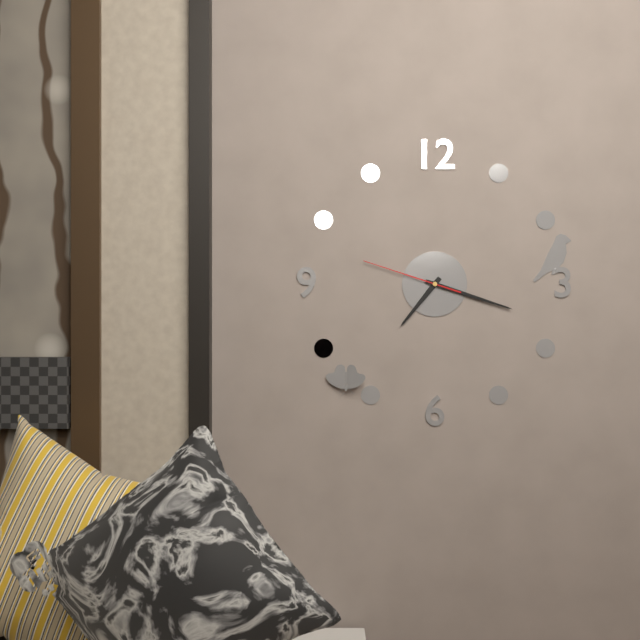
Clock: 7:18:48
